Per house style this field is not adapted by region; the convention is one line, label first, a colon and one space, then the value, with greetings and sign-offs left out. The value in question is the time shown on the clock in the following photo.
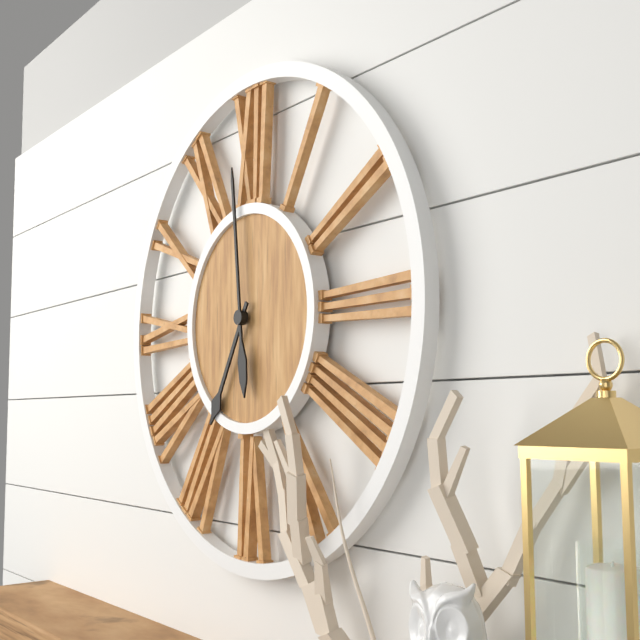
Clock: 6:59
